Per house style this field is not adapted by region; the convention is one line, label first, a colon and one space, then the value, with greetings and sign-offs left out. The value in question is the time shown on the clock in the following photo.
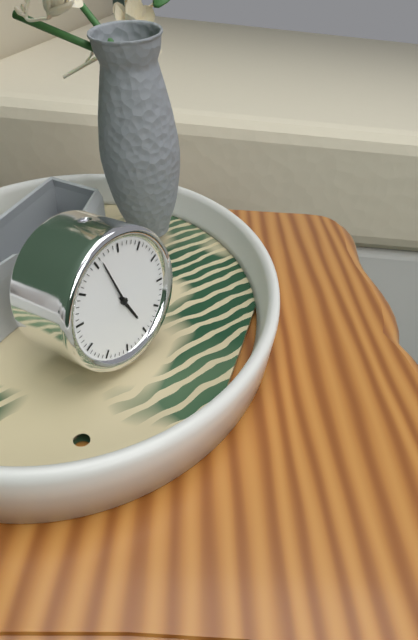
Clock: 4:56
